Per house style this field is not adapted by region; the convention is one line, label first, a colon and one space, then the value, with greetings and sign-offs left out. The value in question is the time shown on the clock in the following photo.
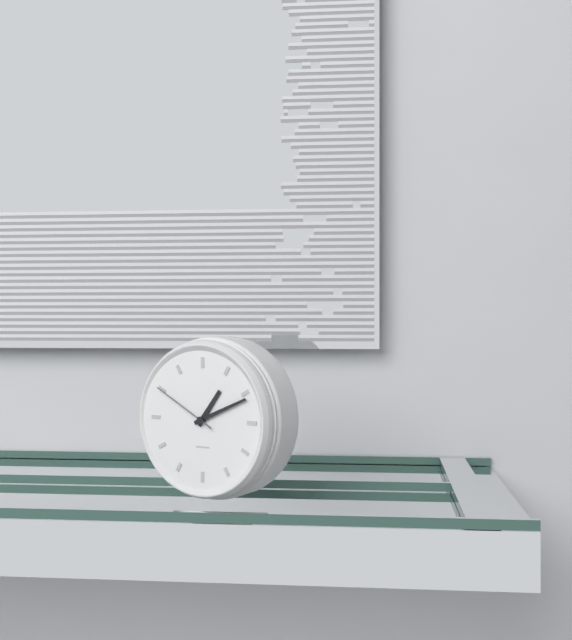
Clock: 1:11:50
